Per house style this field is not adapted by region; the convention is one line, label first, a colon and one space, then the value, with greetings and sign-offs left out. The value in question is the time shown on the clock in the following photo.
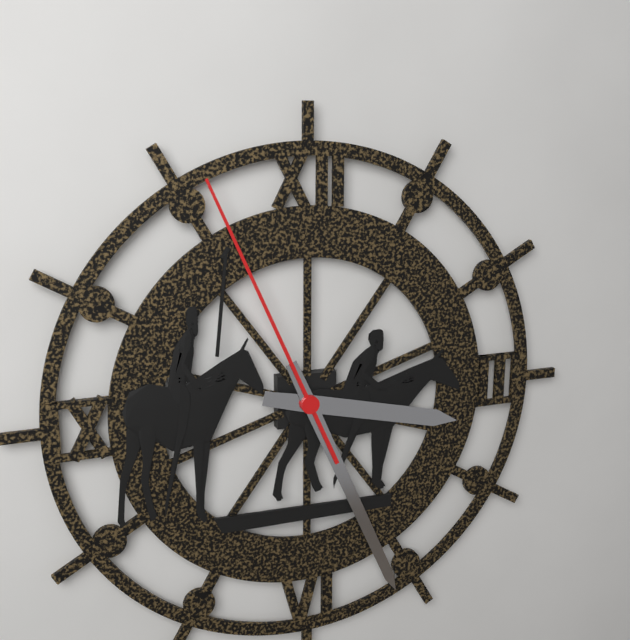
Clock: 3:26:56
